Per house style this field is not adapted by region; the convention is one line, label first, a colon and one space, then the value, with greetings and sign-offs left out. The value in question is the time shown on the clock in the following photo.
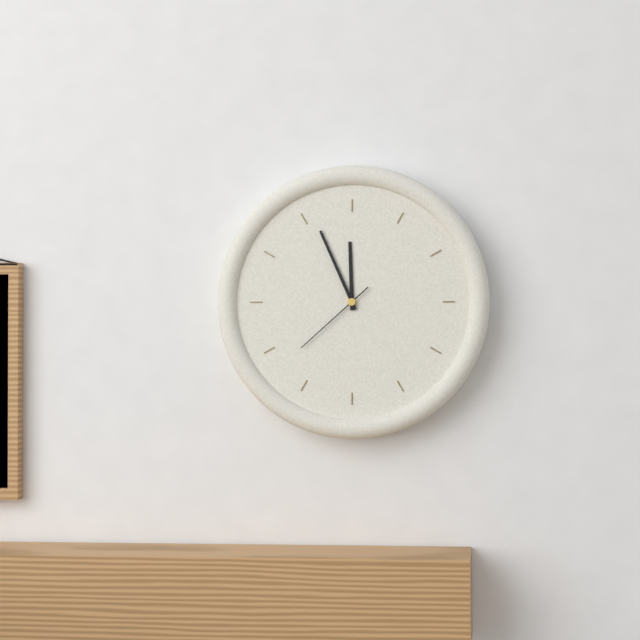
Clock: 11:56:38
